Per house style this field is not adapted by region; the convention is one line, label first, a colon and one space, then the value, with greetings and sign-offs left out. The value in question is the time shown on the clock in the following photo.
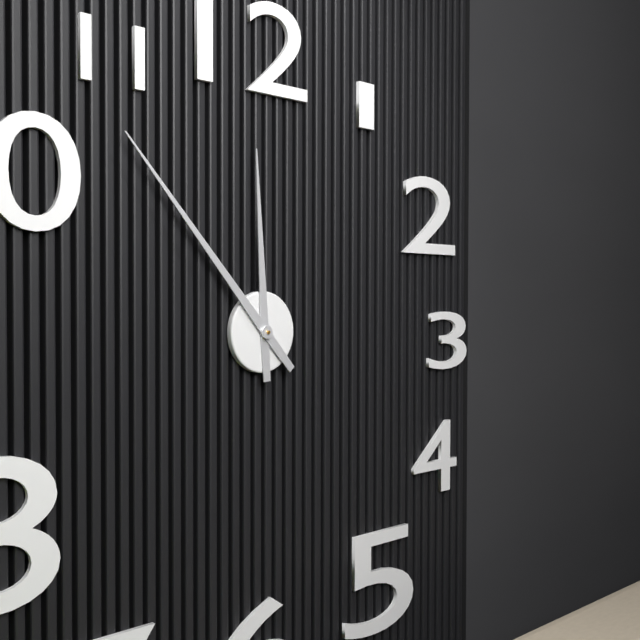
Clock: 11:53
